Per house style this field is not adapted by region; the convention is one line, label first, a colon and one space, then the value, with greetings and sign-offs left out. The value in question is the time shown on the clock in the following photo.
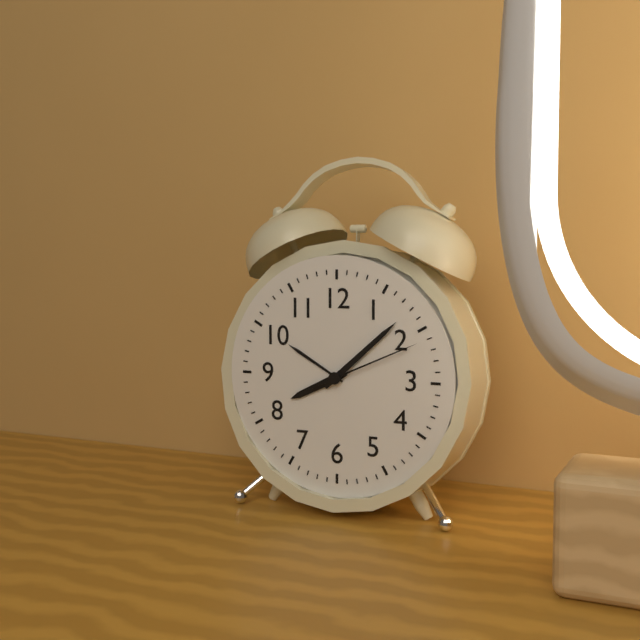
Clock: 8:08:11
